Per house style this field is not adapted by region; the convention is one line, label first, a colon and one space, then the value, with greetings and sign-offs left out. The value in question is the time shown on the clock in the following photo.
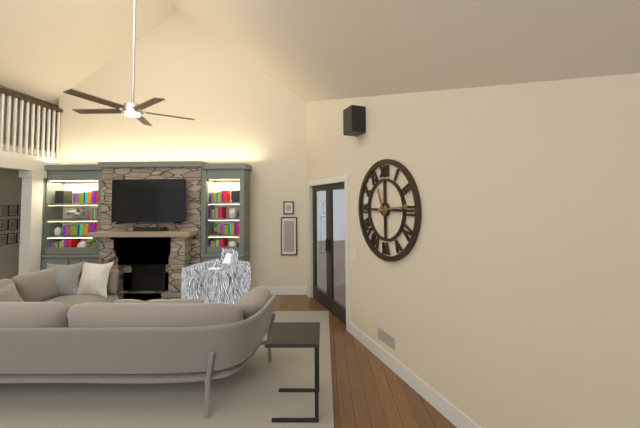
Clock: 11:14
